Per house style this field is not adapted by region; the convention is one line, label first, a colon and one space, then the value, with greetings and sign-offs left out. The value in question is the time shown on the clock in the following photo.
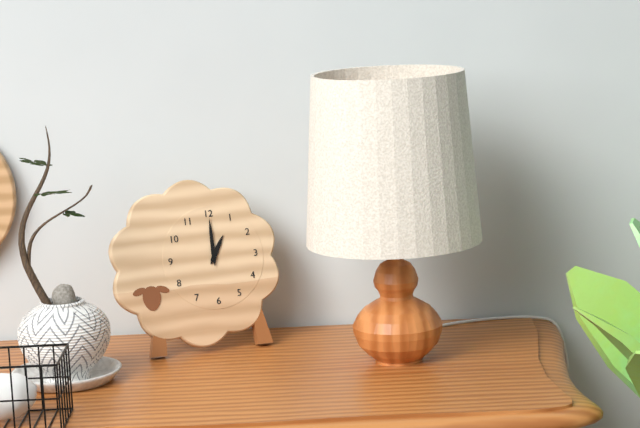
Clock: 1:00
